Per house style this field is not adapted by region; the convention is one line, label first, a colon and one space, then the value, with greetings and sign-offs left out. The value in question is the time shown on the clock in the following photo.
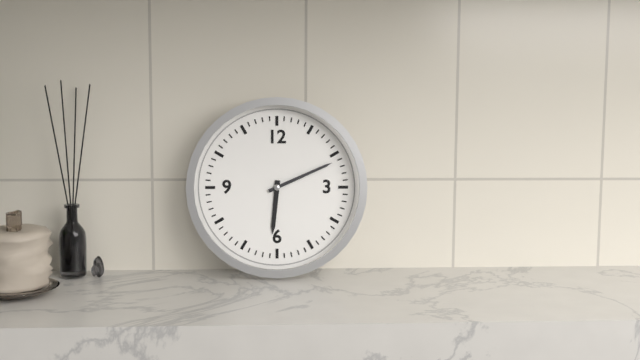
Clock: 6:11
